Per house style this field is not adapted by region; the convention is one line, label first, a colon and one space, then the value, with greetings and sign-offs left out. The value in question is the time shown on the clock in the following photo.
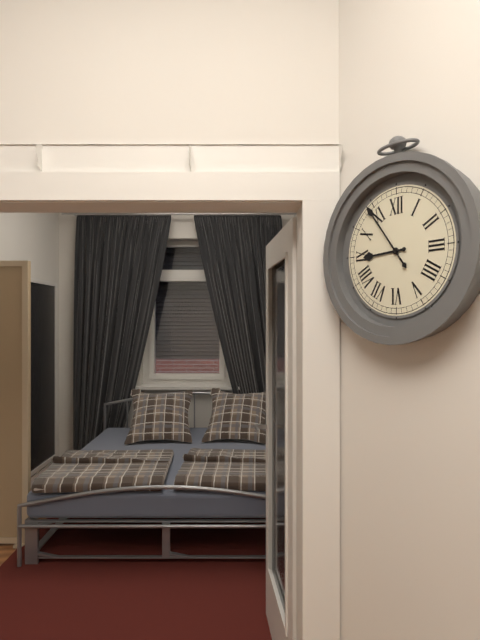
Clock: 8:54
